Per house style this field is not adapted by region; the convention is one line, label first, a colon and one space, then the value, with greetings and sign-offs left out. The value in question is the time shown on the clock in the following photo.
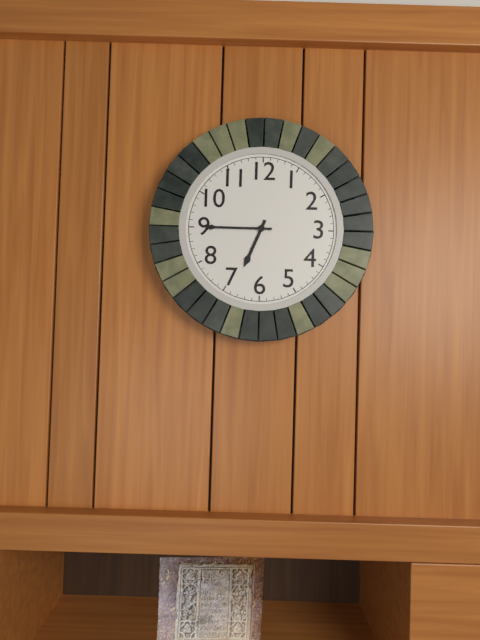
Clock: 6:45
